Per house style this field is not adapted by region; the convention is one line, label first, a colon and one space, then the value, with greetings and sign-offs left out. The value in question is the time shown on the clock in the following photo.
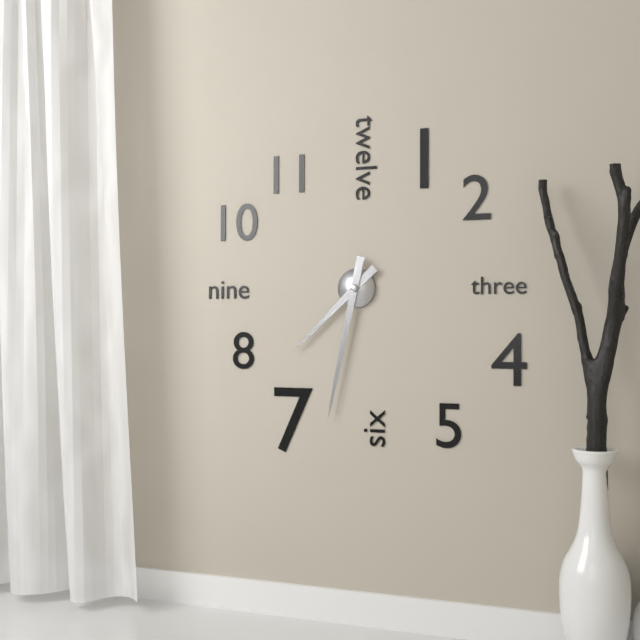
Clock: 7:32
